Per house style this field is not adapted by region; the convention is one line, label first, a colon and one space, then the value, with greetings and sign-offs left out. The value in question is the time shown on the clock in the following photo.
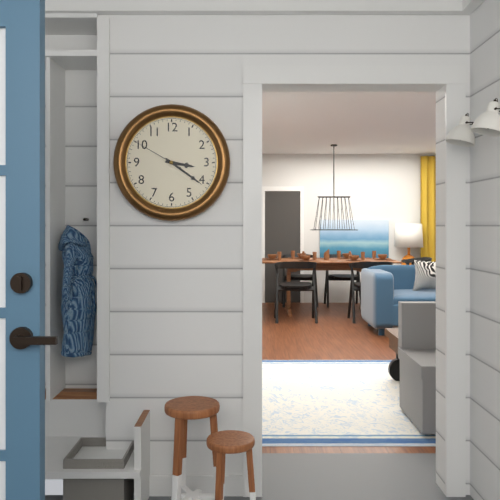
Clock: 3:21:50
